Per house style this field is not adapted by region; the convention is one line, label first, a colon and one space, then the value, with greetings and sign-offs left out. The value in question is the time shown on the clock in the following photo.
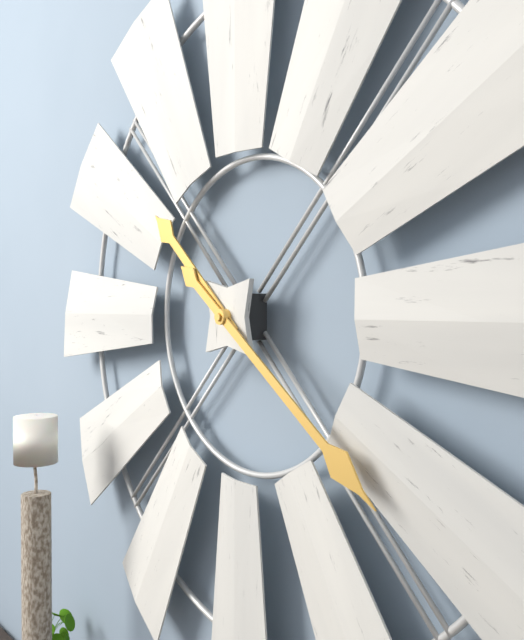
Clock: 10:21
